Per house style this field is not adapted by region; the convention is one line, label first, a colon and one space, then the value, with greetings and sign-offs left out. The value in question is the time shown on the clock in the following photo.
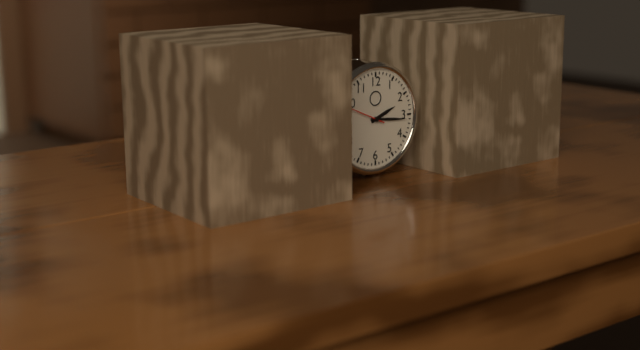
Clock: 2:16
